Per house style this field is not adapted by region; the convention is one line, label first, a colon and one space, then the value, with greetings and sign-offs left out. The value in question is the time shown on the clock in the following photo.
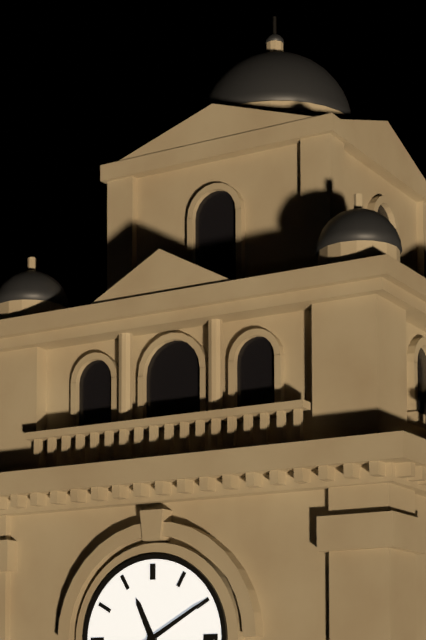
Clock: 11:10
